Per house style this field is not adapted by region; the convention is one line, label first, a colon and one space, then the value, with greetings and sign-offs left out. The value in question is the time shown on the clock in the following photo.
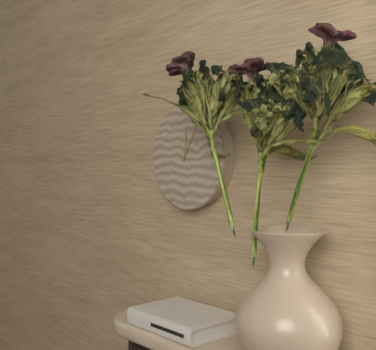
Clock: 12:05
